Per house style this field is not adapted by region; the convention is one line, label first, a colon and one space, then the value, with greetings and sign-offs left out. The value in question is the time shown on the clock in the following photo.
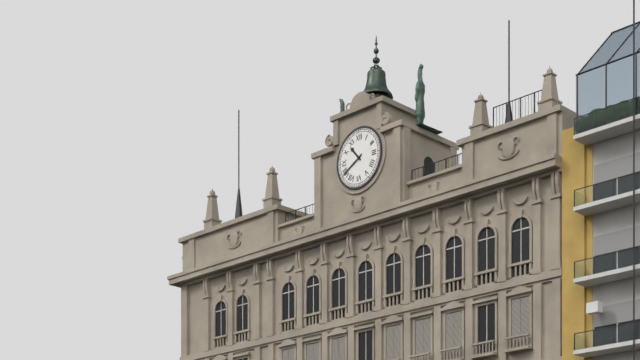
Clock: 10:40
